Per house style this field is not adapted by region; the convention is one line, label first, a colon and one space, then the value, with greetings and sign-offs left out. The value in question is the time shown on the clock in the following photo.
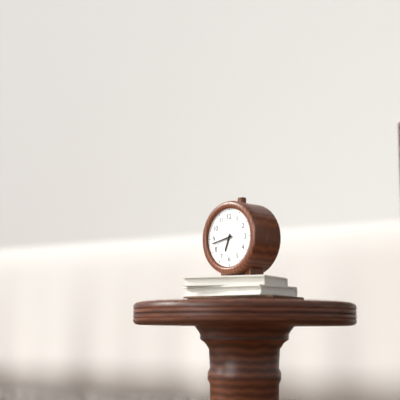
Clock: 6:43
